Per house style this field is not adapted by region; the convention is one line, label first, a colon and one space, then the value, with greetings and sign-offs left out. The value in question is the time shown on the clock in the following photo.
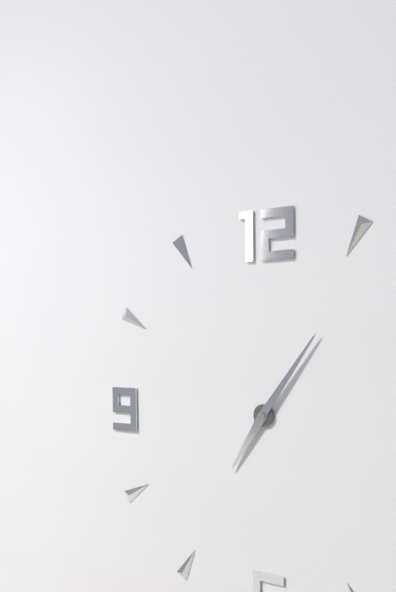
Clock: 7:06
